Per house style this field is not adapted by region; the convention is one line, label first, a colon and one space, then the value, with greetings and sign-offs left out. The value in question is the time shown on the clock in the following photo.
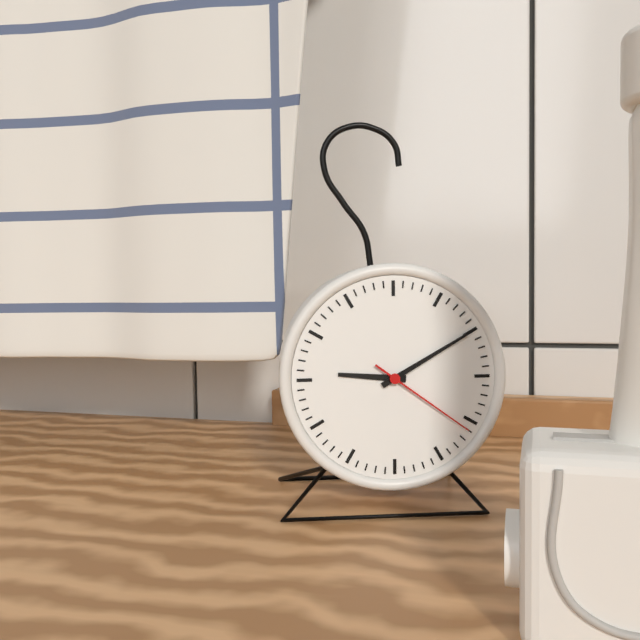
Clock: 9:10:21
